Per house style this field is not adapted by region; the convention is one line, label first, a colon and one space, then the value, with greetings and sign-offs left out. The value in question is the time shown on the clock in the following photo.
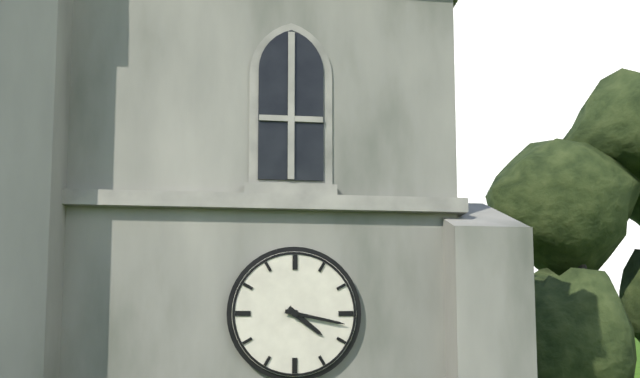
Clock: 4:17
